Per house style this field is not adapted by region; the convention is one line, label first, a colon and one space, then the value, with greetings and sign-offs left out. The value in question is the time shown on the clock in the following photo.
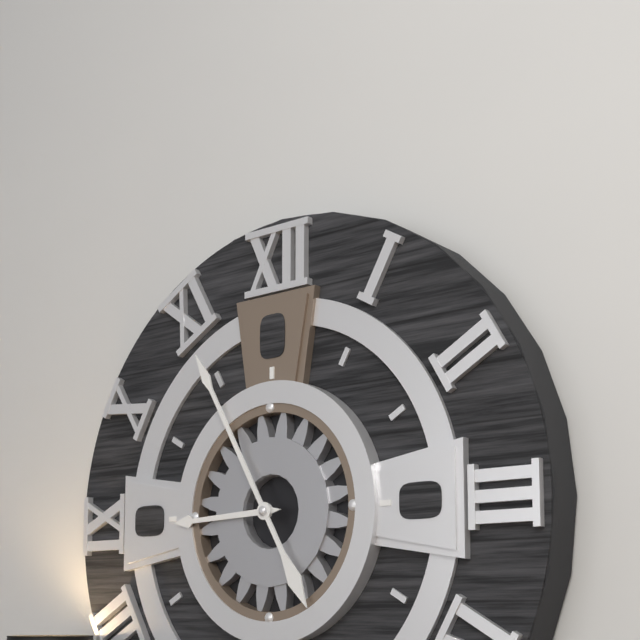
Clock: 8:55
